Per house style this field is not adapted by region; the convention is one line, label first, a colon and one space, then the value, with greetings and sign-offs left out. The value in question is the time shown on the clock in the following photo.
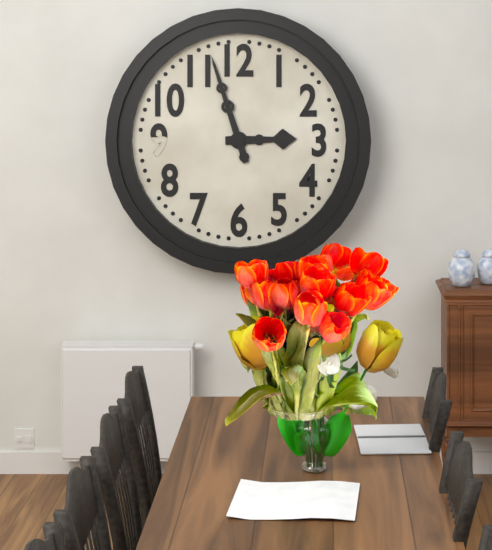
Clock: 2:57
